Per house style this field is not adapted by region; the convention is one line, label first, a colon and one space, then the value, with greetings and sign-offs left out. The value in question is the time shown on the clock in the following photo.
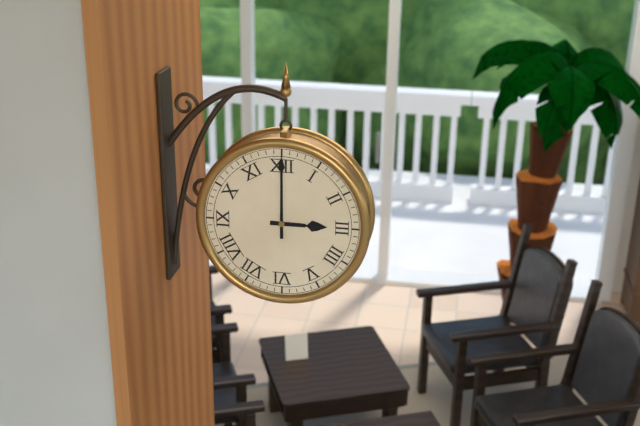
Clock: 3:00
